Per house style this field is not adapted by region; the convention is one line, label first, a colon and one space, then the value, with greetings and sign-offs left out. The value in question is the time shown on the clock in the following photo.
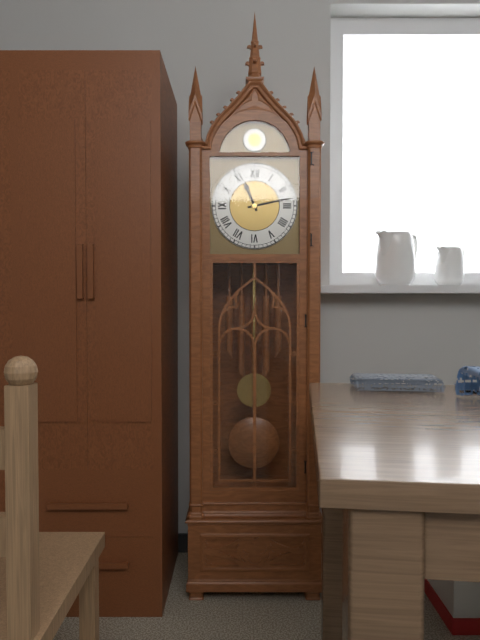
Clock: 11:13
